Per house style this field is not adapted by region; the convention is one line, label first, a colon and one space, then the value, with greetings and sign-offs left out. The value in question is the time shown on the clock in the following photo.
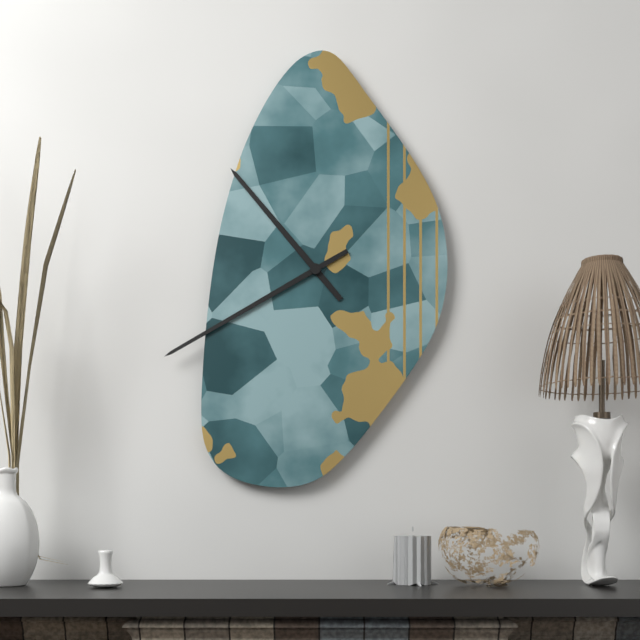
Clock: 10:40
